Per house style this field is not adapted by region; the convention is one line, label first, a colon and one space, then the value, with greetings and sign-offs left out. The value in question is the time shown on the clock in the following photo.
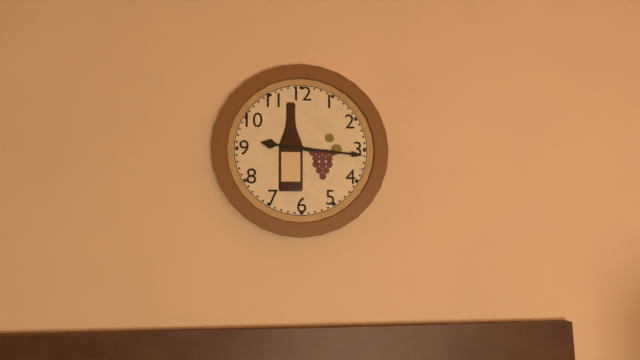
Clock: 9:16
